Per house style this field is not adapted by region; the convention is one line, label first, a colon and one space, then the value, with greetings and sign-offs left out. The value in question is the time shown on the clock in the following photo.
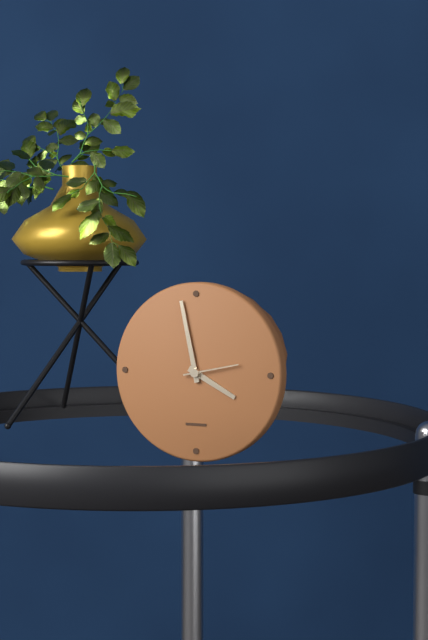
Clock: 3:58
